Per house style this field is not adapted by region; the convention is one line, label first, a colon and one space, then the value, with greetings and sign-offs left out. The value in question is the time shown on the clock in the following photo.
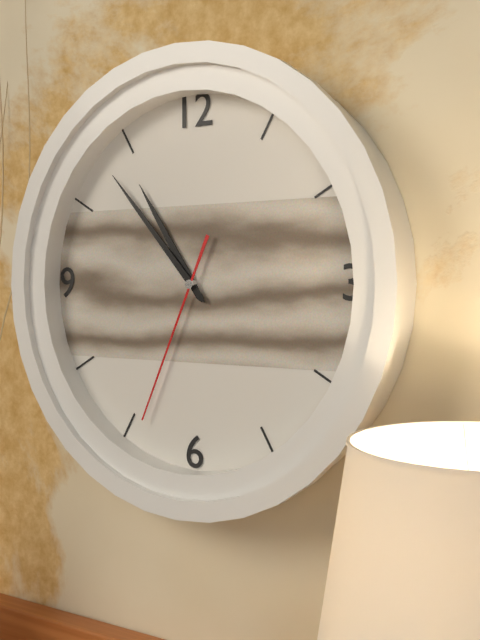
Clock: 10:53:34
